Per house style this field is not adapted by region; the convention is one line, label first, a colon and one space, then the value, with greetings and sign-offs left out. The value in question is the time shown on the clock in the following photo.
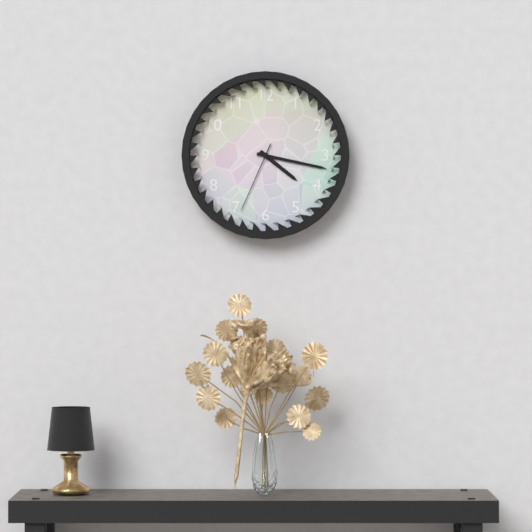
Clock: 4:17:34
